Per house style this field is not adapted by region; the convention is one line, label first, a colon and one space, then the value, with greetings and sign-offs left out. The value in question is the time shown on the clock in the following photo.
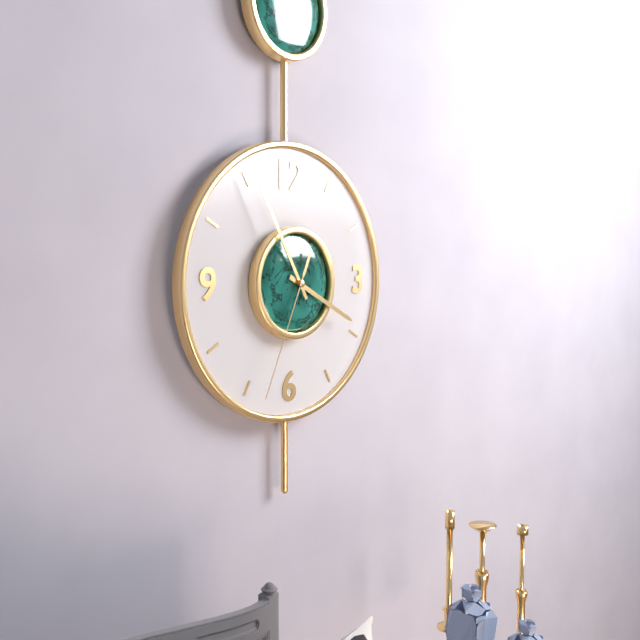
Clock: 3:55:34
